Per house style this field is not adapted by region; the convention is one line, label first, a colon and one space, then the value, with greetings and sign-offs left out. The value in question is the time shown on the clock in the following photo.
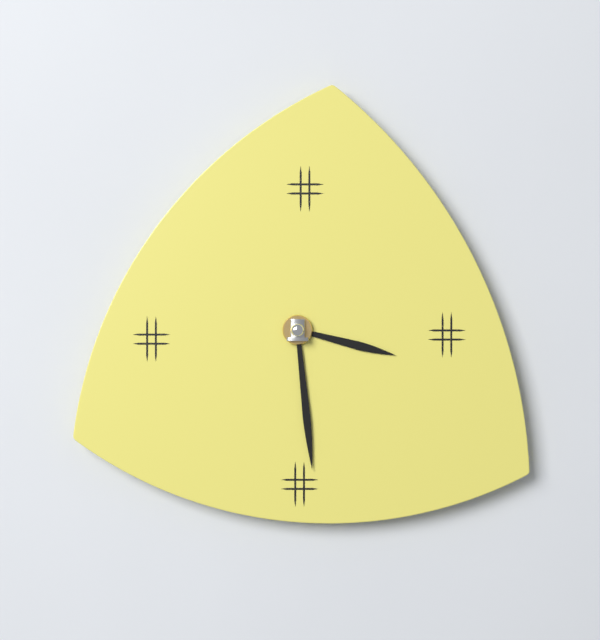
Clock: 3:29
